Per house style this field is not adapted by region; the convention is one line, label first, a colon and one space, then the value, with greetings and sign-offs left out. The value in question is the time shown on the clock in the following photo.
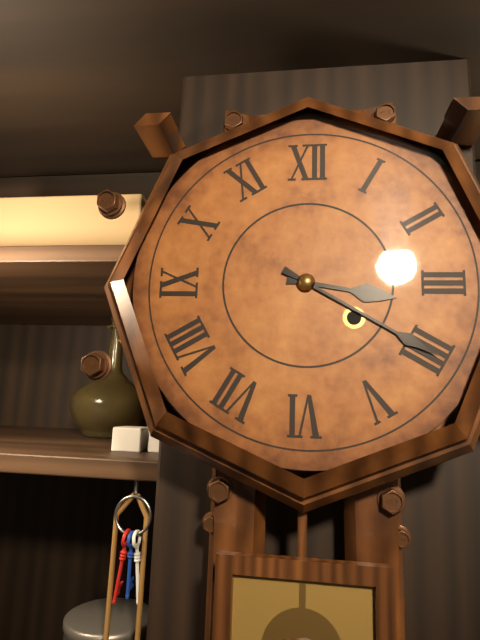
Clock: 3:20
